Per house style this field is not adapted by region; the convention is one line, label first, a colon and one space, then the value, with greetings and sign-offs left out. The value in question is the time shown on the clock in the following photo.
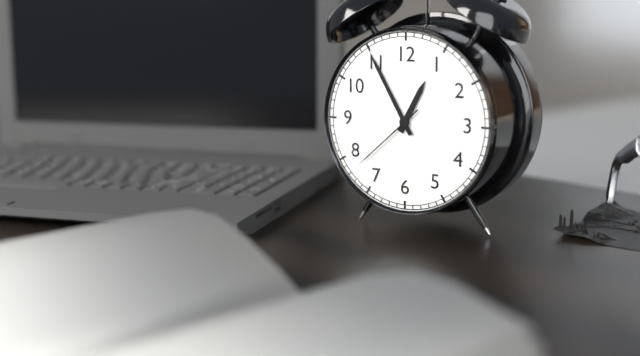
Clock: 12:55:38
